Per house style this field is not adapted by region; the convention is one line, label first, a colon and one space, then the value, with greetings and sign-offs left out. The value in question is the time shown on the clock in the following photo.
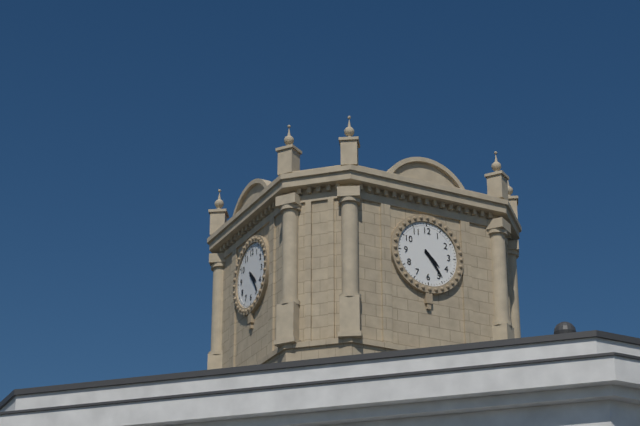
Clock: 4:24
